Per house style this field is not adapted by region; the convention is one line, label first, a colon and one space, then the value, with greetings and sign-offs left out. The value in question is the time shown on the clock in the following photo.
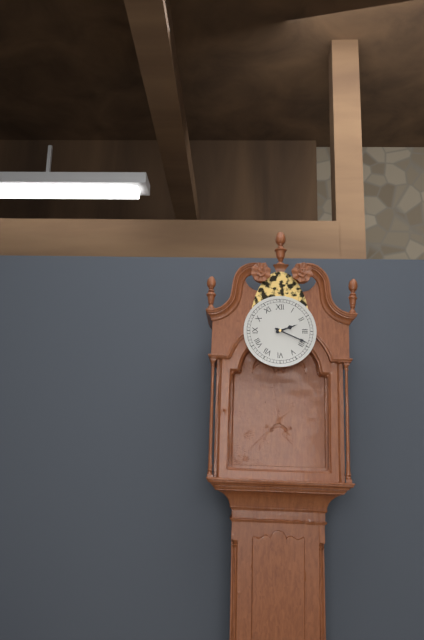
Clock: 2:19
